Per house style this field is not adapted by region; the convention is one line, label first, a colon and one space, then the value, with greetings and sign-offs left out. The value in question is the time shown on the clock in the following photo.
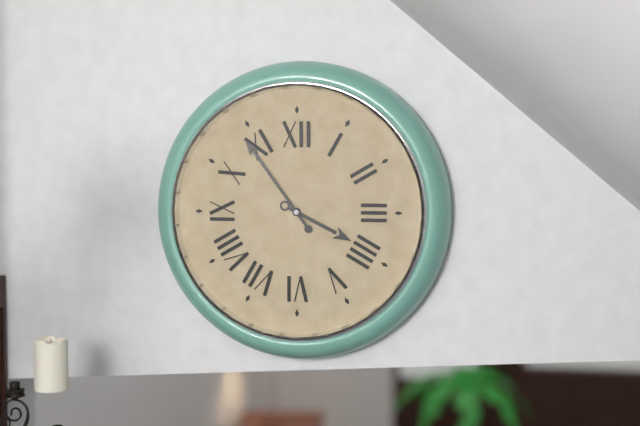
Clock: 3:54
